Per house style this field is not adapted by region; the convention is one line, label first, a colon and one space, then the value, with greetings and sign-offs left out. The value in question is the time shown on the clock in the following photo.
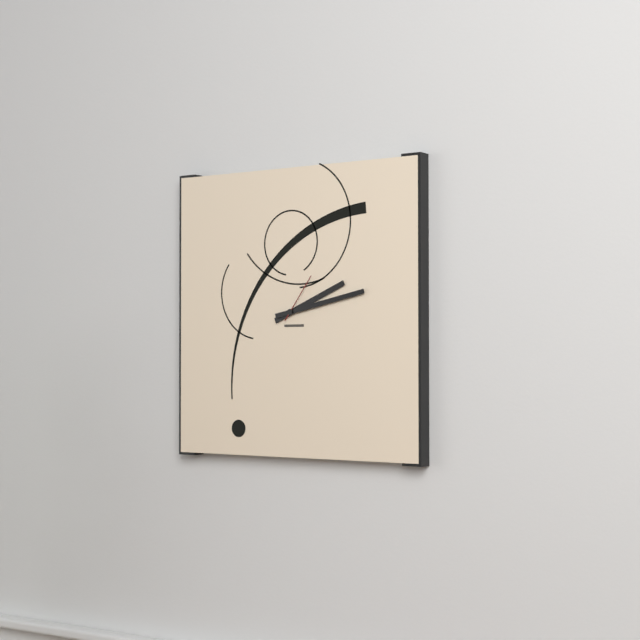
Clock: 2:13:06
